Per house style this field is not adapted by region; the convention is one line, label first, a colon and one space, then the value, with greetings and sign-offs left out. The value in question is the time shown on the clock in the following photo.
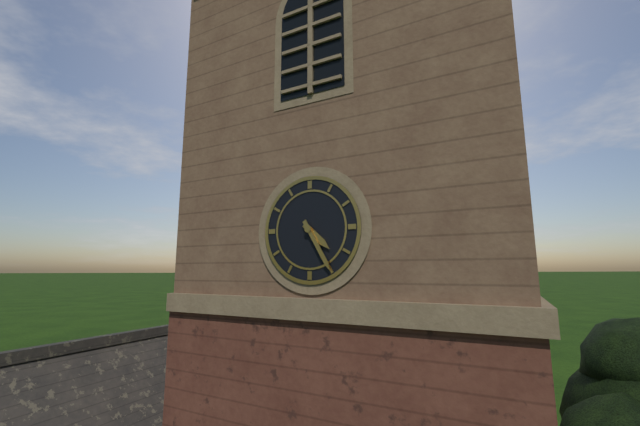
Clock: 4:25
